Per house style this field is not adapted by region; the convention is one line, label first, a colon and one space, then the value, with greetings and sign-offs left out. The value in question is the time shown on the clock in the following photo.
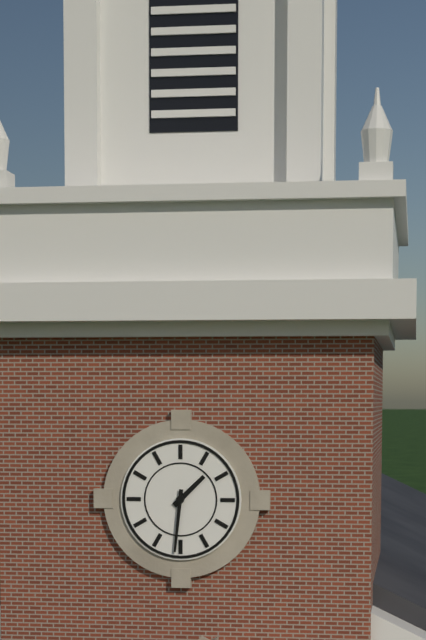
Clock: 1:31
